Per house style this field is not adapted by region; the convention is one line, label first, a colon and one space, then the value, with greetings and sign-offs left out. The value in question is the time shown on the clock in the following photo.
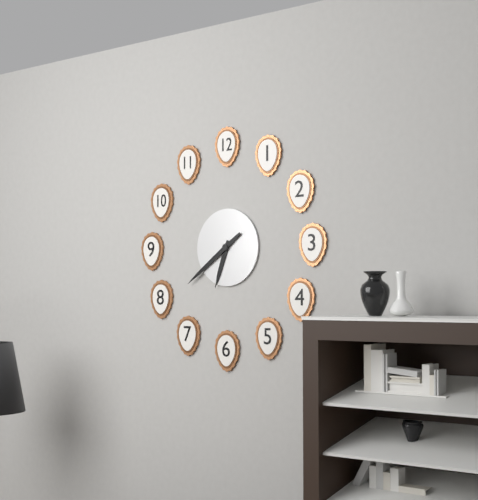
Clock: 6:39
